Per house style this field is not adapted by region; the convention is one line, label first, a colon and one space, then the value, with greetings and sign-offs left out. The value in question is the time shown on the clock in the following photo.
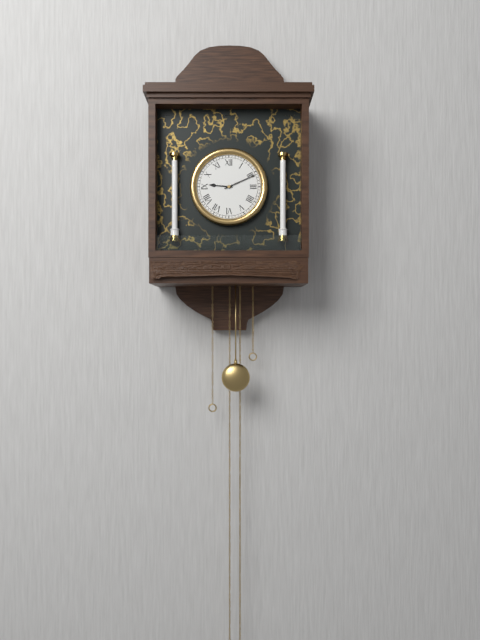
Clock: 9:11
